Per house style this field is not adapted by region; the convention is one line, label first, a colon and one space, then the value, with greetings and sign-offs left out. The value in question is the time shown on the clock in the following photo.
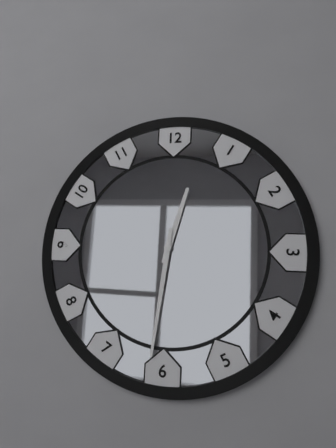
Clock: 12:31
